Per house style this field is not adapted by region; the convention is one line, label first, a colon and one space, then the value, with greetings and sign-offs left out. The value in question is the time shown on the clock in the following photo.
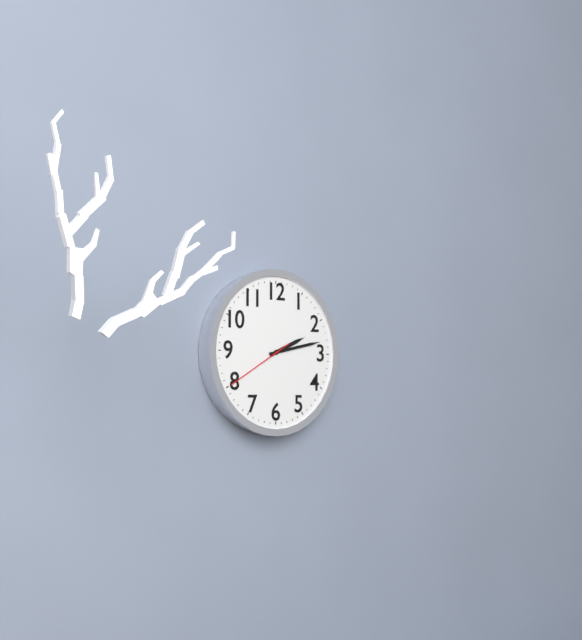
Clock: 2:13:40
